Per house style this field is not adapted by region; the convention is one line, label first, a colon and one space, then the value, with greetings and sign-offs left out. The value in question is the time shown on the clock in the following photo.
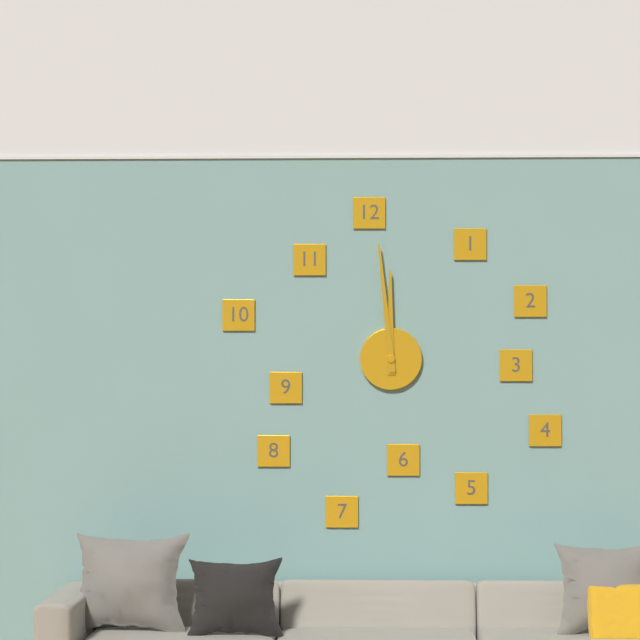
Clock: 11:59
